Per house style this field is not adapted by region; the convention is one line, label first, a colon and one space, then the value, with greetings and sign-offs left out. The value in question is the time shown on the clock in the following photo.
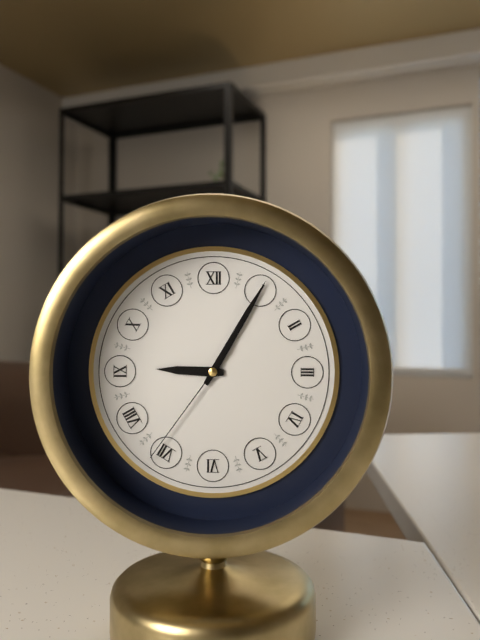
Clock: 9:05:36
